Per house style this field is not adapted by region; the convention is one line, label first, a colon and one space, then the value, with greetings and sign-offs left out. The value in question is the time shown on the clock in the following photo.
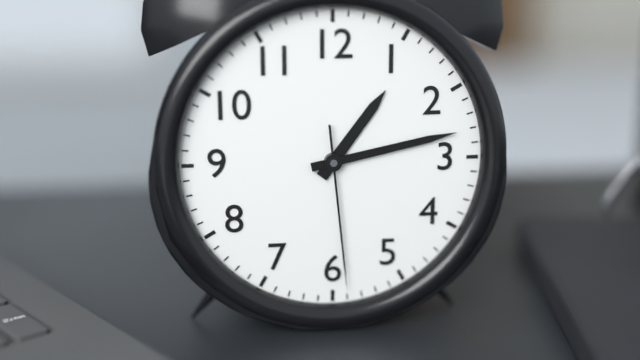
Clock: 1:13:29
